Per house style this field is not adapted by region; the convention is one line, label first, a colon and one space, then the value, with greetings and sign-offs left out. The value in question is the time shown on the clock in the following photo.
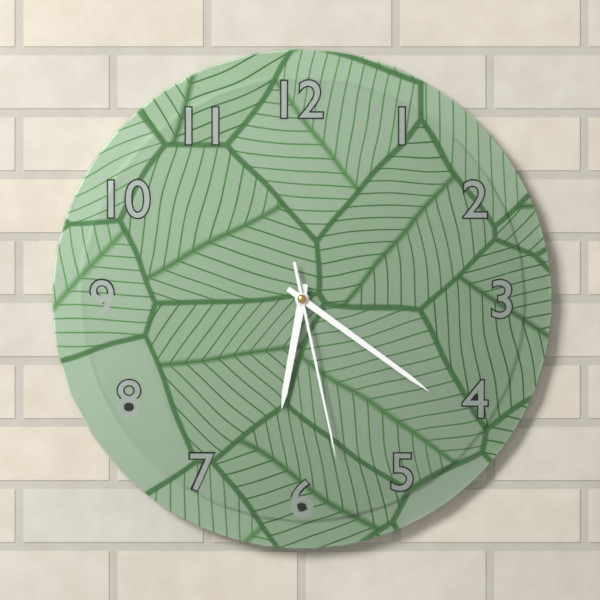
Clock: 6:21:28
